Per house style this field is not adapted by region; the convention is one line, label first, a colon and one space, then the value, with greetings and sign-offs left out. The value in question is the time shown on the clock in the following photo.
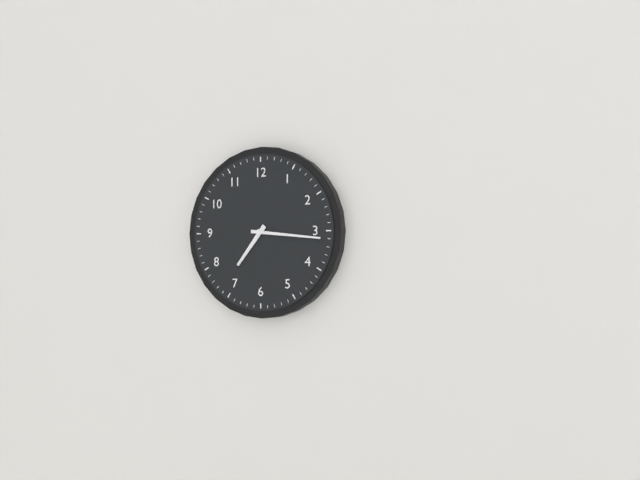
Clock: 7:16
